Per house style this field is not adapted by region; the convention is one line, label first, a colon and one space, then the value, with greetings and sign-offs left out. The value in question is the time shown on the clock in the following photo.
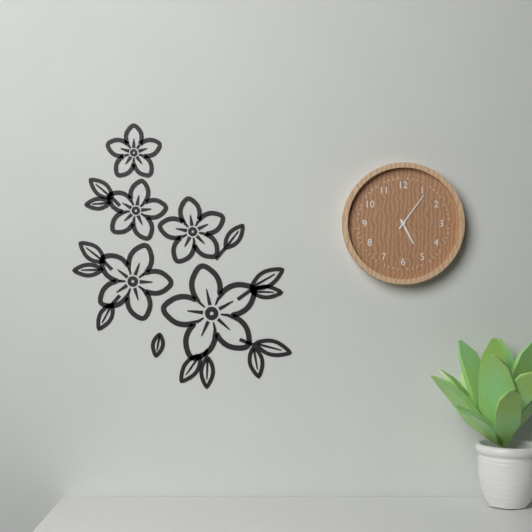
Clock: 5:06
